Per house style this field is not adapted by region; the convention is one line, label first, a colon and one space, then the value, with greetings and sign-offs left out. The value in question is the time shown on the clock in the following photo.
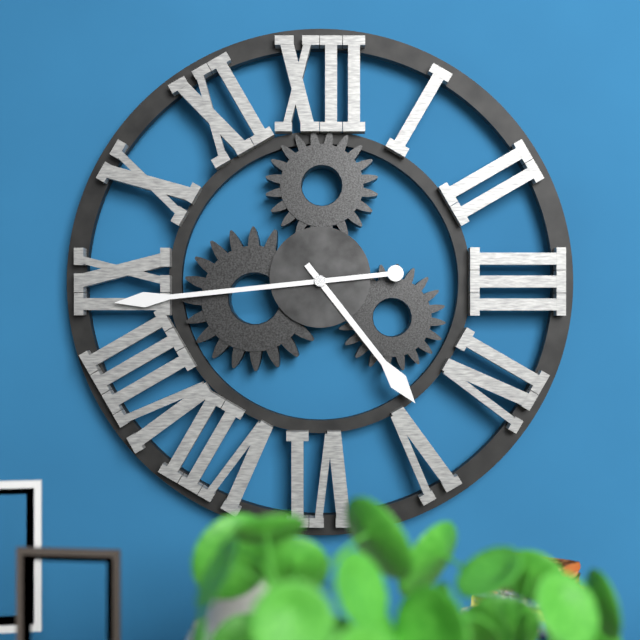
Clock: 4:44
